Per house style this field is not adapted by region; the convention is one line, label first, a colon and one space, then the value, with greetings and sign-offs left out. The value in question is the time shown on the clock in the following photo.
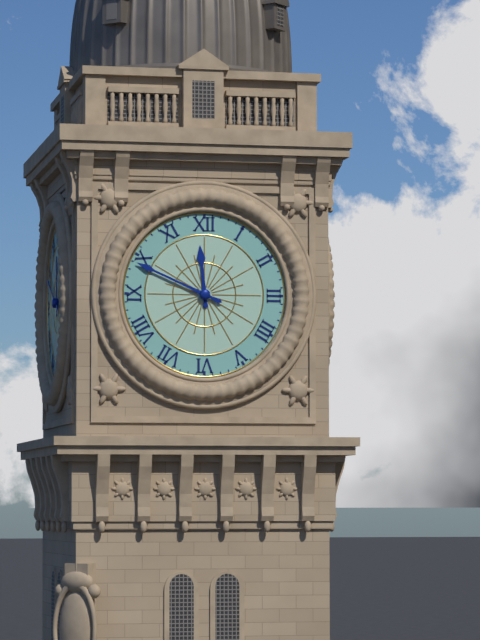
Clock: 11:49
